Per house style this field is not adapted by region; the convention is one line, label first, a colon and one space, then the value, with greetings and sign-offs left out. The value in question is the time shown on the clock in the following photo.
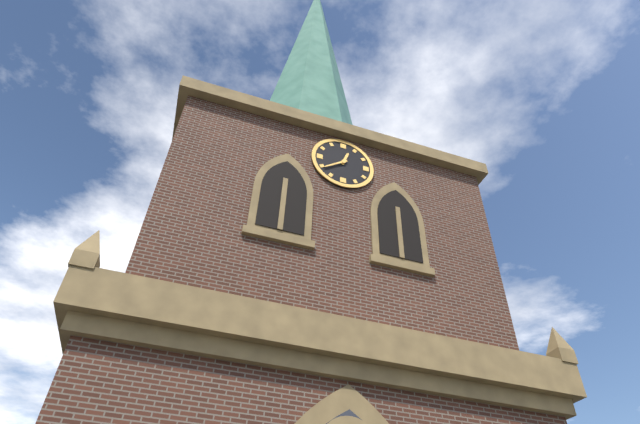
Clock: 12:39
